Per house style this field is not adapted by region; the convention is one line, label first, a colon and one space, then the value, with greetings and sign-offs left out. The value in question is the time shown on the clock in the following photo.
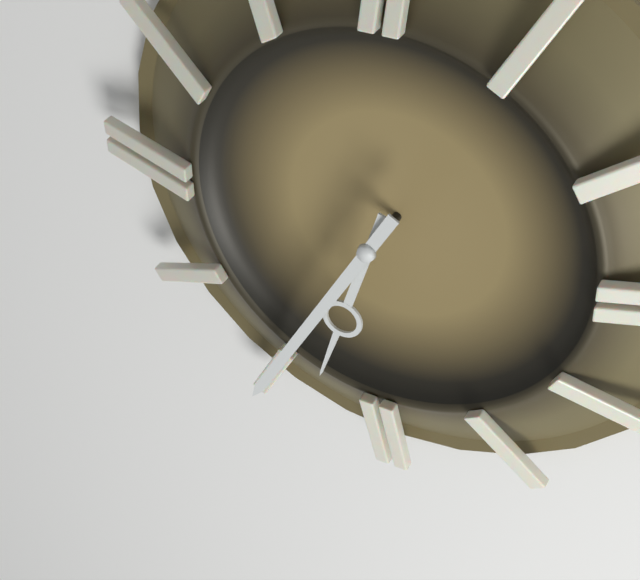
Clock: 6:35
